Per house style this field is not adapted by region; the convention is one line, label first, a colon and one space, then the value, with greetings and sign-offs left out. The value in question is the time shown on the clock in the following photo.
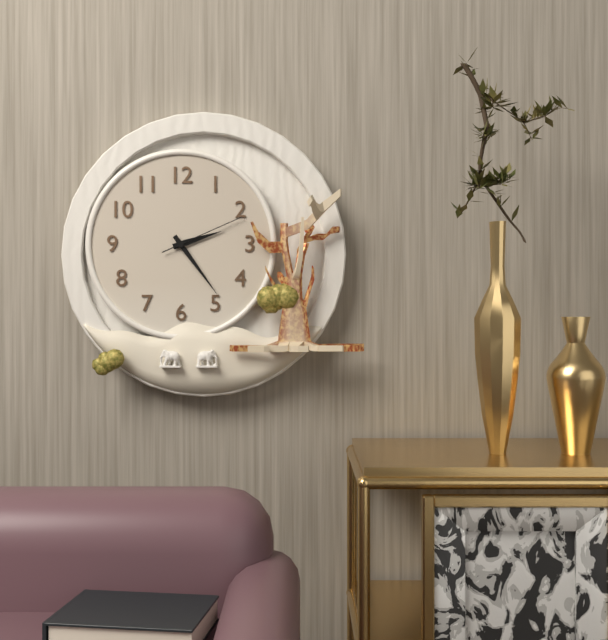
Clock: 2:24:11
